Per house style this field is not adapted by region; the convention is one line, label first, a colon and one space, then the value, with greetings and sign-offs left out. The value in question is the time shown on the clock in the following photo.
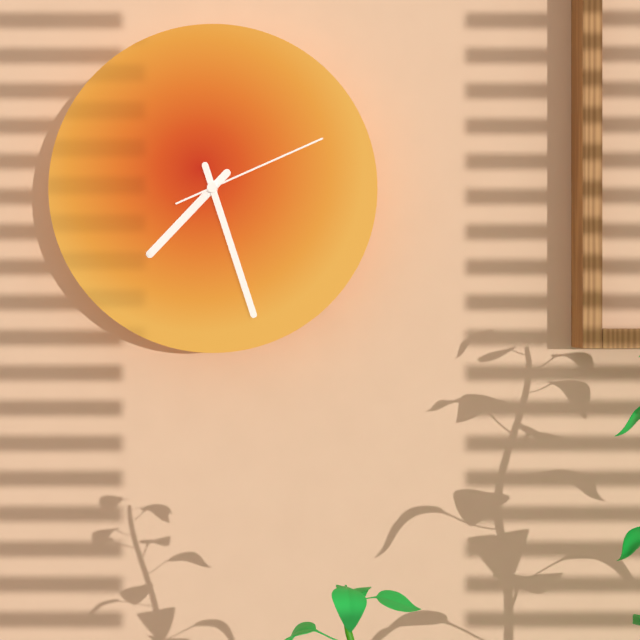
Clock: 7:27:11
